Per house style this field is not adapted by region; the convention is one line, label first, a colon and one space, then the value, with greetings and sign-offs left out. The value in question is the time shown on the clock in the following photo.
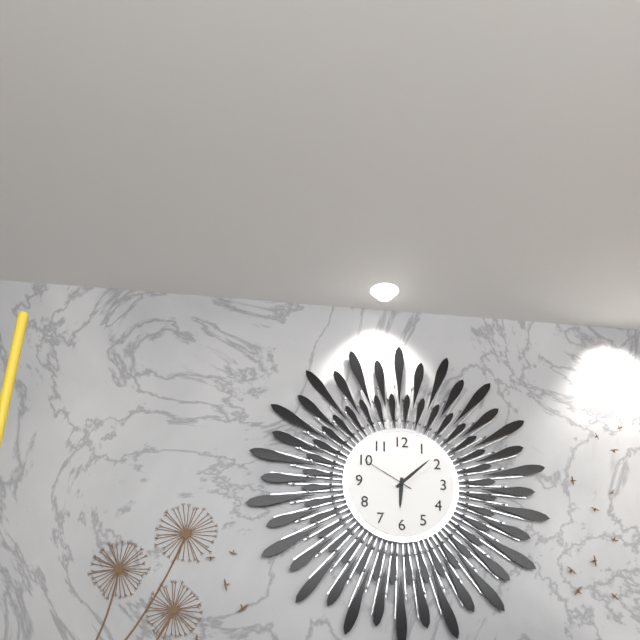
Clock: 6:08:50
